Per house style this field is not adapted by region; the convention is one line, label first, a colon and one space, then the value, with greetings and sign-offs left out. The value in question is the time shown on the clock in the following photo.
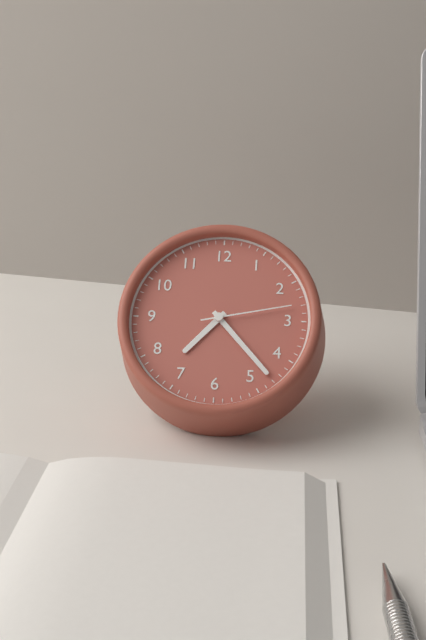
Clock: 7:23:13
